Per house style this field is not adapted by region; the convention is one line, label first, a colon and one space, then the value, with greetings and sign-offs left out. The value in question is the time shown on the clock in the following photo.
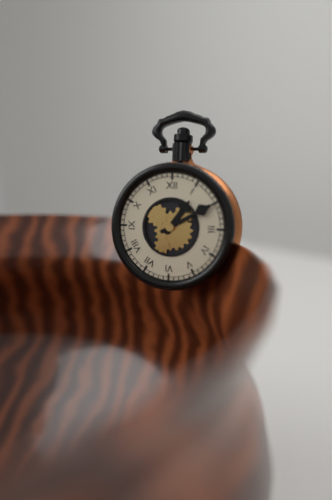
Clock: 1:10
